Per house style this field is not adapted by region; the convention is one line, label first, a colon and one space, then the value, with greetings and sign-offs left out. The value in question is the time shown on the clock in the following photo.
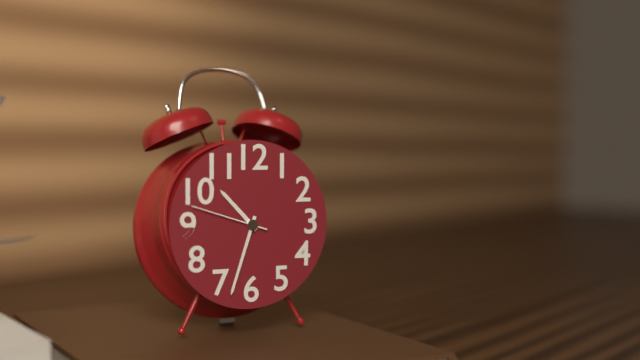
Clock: 10:33:48
